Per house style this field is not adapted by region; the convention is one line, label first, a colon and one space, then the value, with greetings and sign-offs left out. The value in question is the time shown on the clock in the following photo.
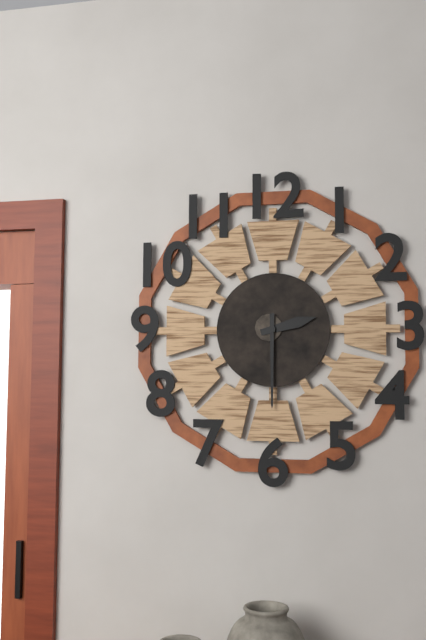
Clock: 2:30
